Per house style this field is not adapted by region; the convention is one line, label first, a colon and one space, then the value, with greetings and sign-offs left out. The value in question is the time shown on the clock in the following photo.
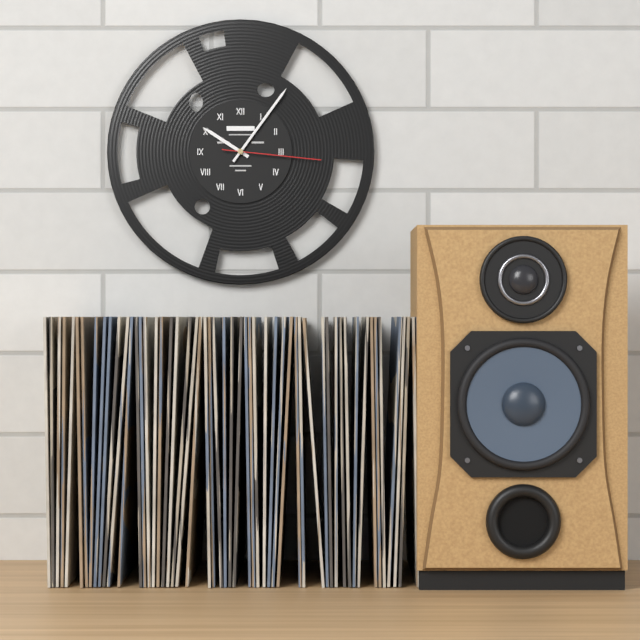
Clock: 10:06:16
